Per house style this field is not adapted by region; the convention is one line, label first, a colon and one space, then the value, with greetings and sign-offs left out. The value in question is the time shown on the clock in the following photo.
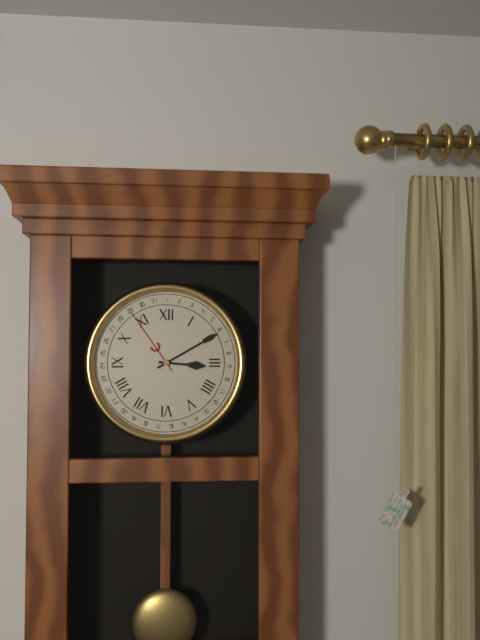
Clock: 3:10
